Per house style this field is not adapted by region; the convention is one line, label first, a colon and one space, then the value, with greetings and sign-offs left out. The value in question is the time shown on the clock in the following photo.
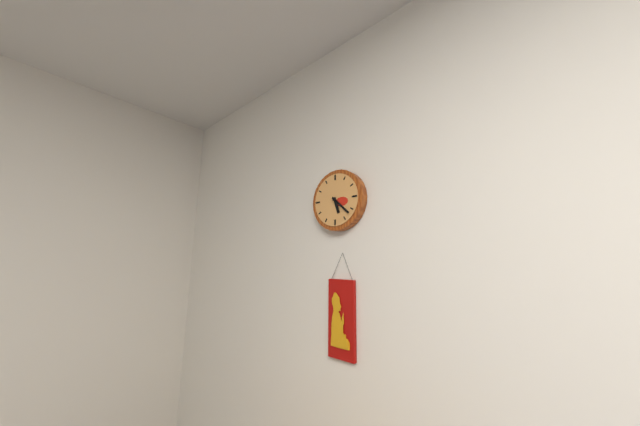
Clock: 5:22
